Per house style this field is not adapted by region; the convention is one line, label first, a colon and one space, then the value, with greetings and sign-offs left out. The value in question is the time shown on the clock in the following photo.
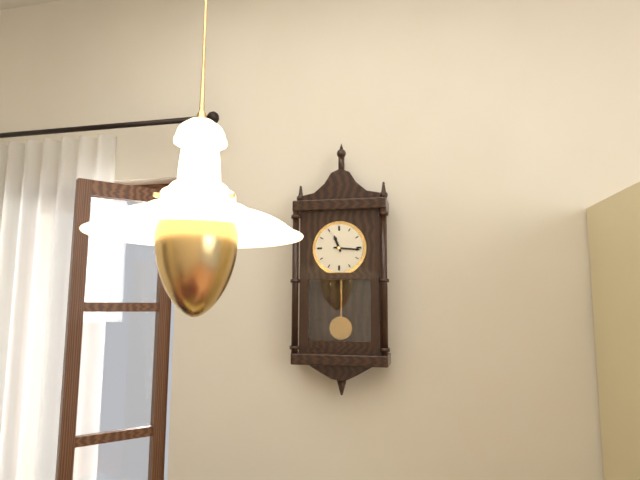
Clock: 11:16
